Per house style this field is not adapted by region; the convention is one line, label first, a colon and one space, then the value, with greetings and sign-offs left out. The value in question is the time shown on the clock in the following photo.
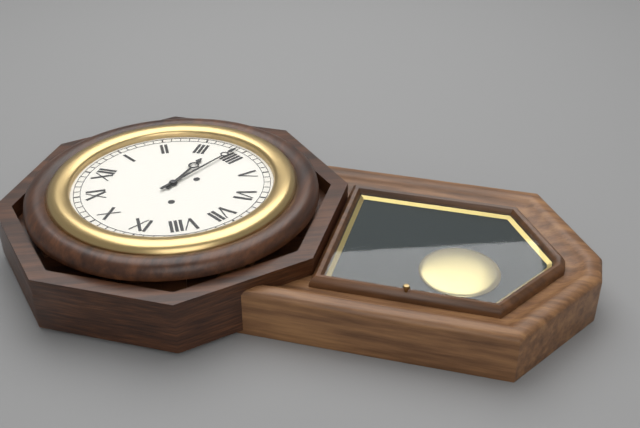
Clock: 3:19
